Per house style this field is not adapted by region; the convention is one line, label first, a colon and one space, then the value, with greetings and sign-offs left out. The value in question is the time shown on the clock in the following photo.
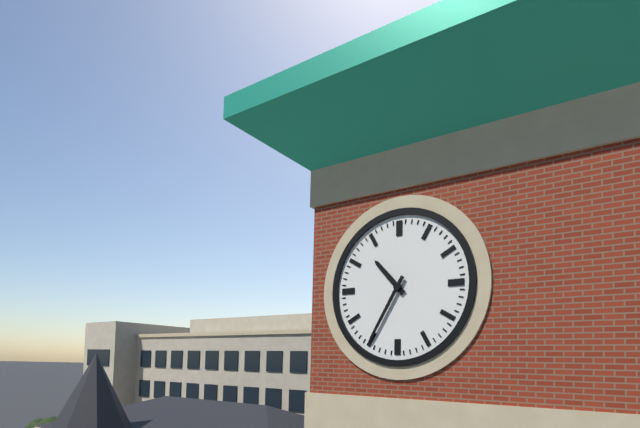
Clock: 10:35
